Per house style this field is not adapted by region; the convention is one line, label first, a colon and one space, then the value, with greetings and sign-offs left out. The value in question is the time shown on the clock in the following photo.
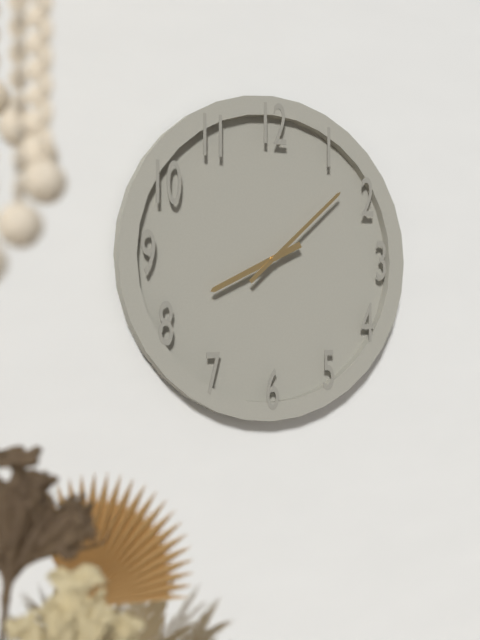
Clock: 8:08
